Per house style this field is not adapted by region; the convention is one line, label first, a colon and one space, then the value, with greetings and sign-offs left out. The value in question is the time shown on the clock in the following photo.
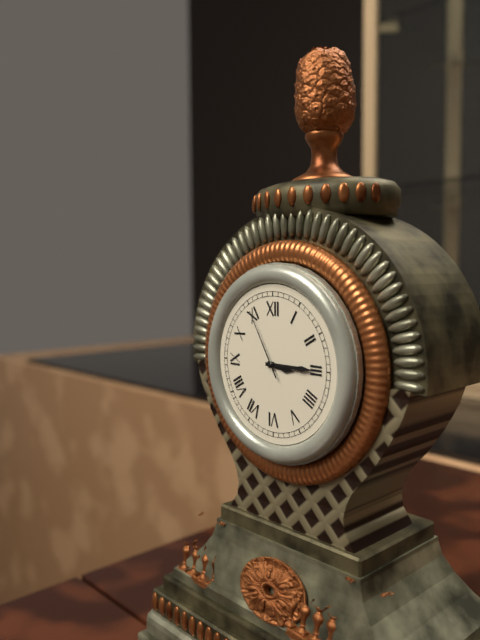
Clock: 3:15:55
